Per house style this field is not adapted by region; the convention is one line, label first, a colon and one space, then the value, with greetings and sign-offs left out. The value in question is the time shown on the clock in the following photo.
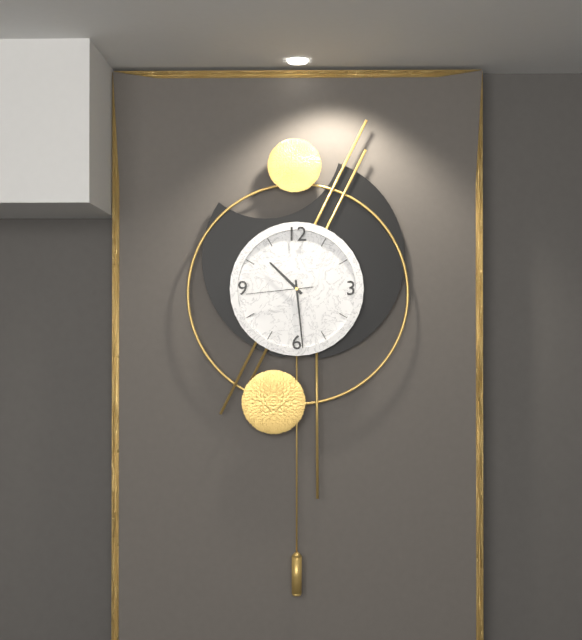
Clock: 10:29:44
